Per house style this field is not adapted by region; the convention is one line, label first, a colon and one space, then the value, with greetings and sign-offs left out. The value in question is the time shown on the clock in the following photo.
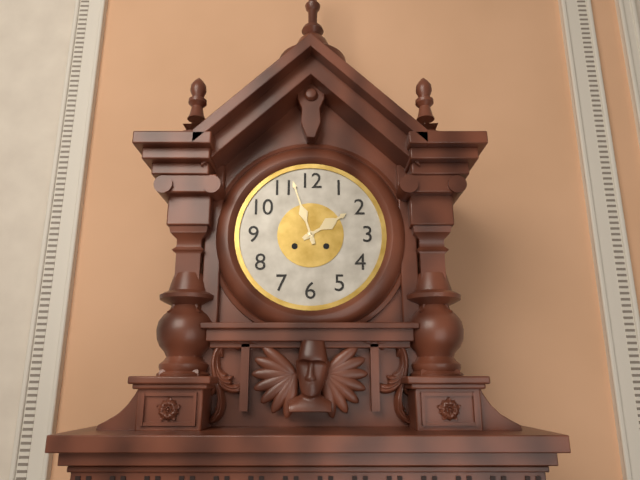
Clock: 1:57
